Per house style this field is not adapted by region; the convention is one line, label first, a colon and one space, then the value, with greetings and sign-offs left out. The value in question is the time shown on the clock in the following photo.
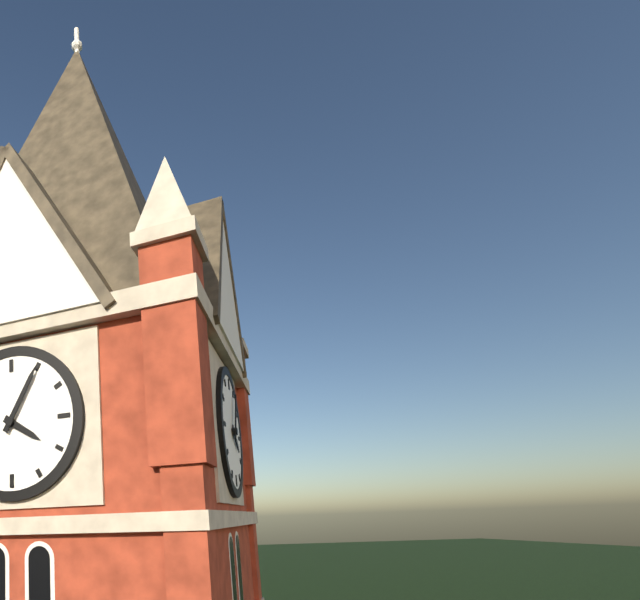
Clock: 4:05
